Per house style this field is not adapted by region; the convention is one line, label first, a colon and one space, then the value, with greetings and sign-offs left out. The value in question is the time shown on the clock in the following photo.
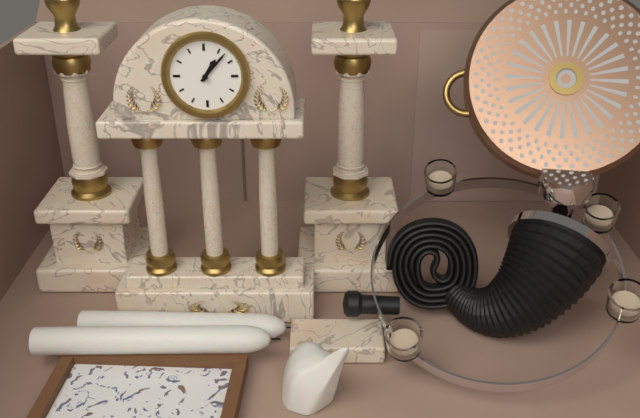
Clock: 1:07
